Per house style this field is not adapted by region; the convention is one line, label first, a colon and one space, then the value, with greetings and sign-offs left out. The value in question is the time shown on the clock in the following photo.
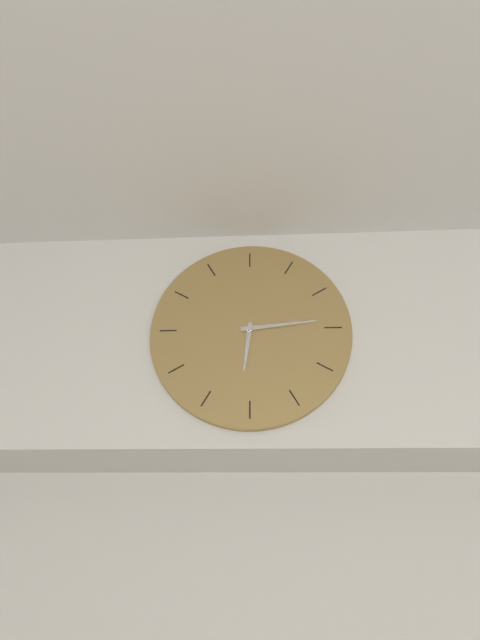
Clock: 6:14
